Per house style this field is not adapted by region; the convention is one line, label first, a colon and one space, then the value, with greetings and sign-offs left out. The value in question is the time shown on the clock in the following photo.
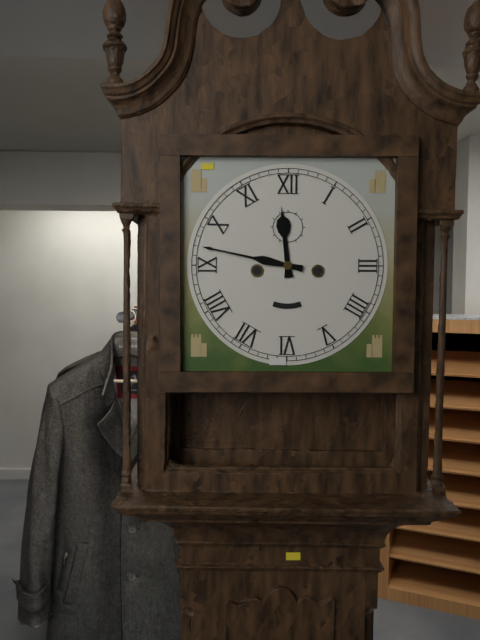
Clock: 11:47
